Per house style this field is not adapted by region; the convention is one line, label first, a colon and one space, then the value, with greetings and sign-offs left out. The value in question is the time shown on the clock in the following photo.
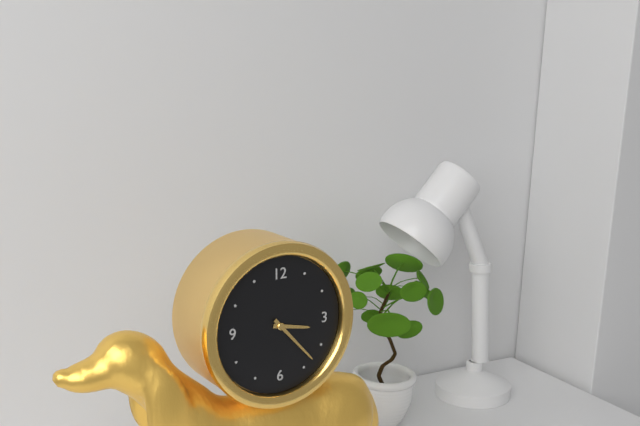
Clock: 3:23
